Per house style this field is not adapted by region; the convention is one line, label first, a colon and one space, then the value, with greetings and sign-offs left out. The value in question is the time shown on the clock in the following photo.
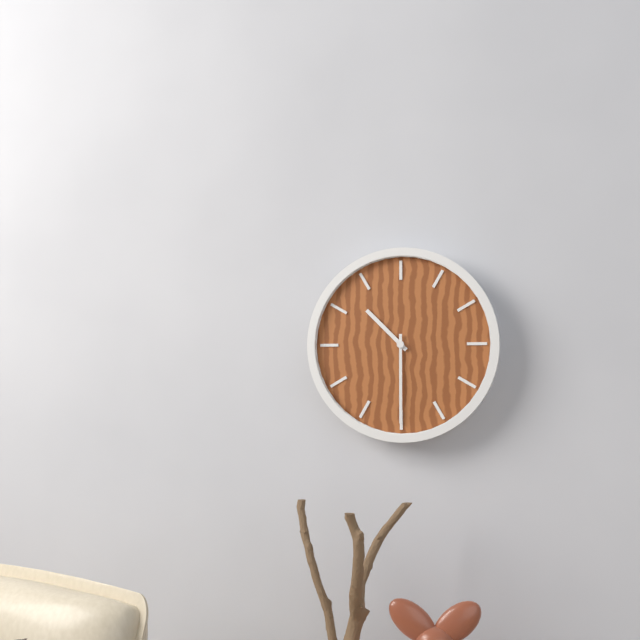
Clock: 10:30
